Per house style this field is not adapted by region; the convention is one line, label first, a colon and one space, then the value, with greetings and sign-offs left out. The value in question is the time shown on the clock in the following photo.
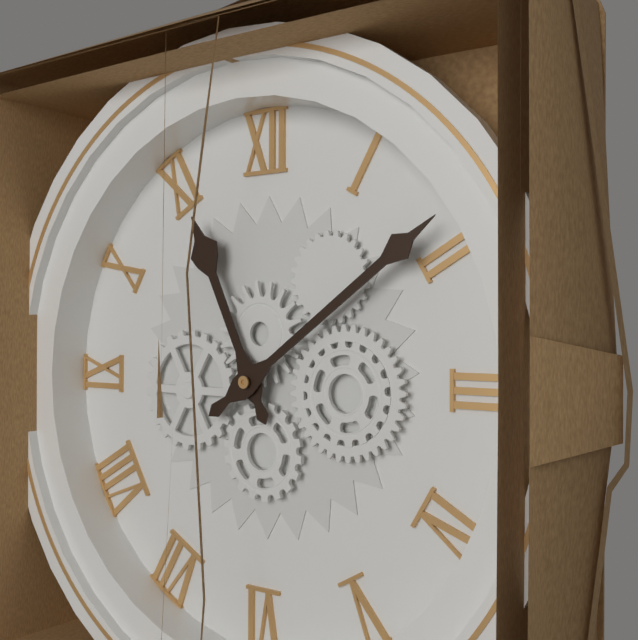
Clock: 11:09
